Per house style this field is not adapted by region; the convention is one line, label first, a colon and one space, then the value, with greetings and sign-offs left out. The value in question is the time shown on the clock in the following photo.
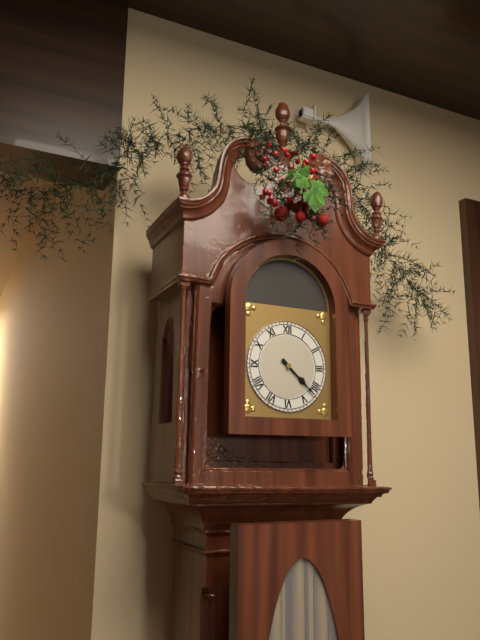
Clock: 4:22
